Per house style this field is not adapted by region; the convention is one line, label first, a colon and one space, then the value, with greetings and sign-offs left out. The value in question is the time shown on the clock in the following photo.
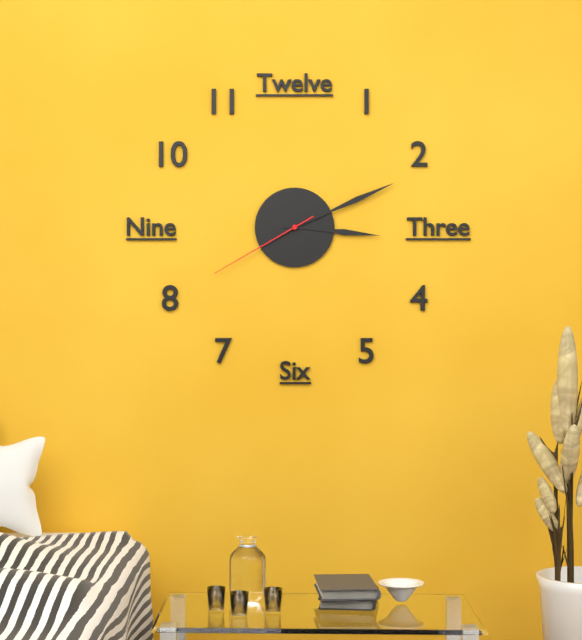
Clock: 3:11:40
